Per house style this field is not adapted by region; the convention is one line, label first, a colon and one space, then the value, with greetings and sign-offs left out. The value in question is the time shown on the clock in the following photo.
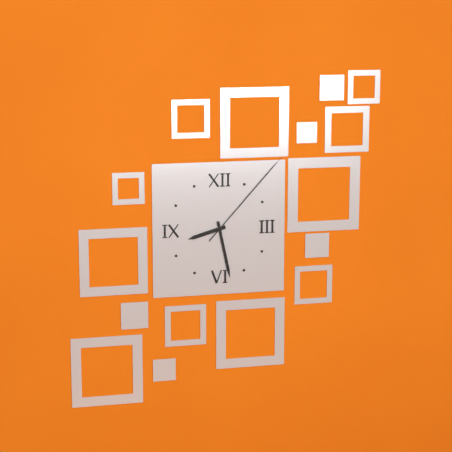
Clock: 8:28:07
